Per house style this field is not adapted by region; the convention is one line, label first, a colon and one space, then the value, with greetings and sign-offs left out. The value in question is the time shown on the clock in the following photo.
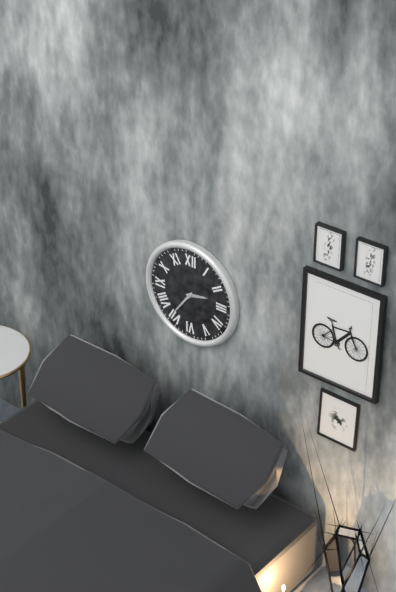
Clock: 2:36
